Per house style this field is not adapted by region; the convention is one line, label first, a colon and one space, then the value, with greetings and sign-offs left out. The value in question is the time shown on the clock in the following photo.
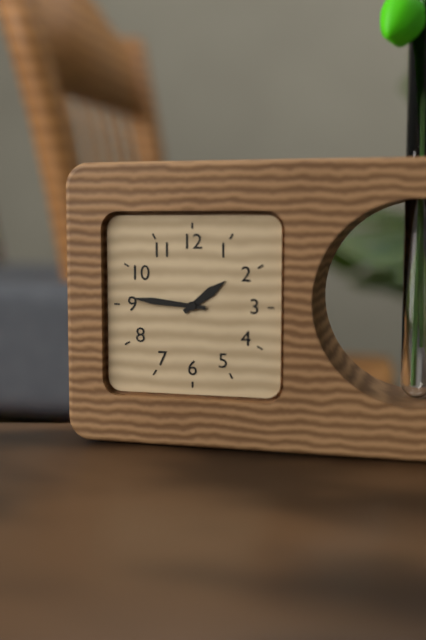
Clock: 1:46
